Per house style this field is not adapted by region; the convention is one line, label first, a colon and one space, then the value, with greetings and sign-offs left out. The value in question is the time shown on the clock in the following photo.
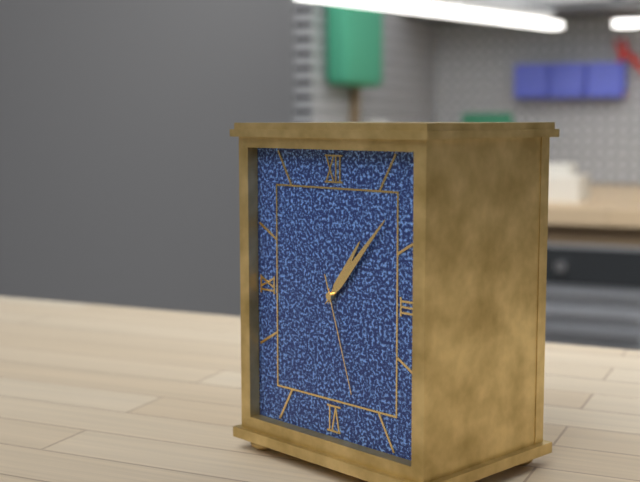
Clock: 1:07:27
